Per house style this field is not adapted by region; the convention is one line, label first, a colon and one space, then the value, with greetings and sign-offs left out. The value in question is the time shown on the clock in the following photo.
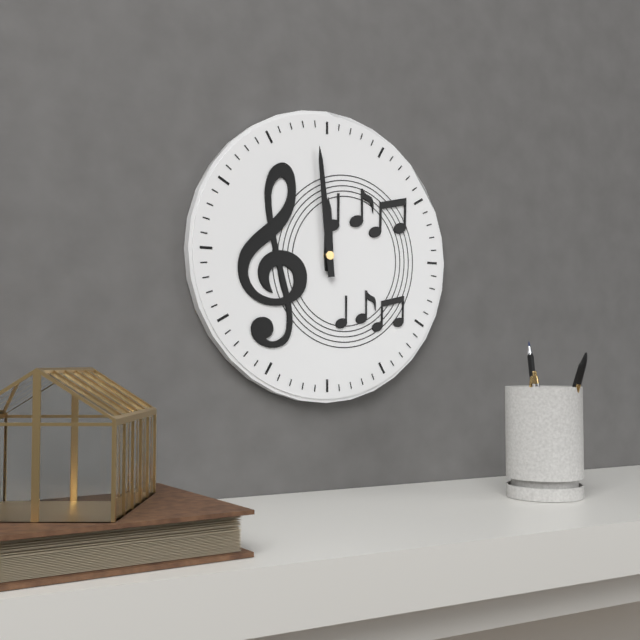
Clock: 11:59
